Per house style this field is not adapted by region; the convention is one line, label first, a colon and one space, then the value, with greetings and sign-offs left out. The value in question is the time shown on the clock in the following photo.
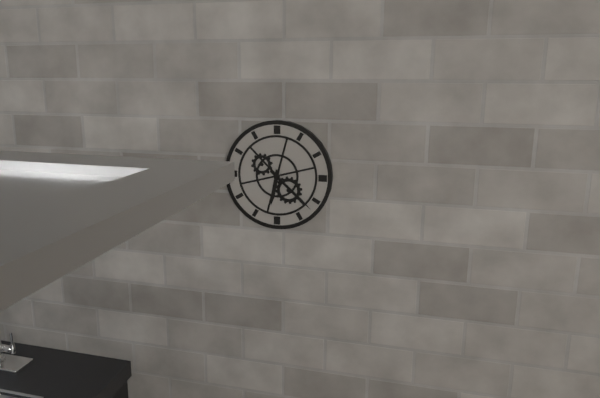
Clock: 6:22
